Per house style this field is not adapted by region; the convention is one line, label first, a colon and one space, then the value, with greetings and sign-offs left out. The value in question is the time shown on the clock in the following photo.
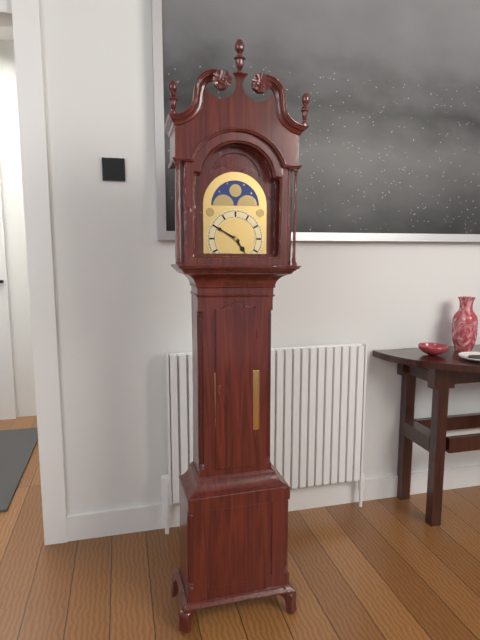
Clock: 4:50
